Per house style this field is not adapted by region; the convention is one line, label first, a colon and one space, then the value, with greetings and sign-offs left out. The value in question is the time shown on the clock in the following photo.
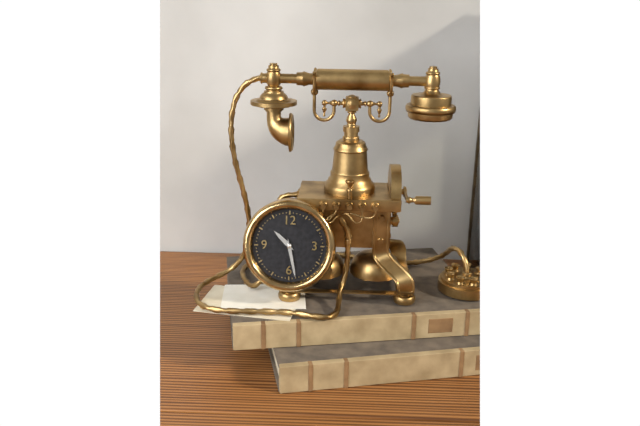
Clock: 10:28
